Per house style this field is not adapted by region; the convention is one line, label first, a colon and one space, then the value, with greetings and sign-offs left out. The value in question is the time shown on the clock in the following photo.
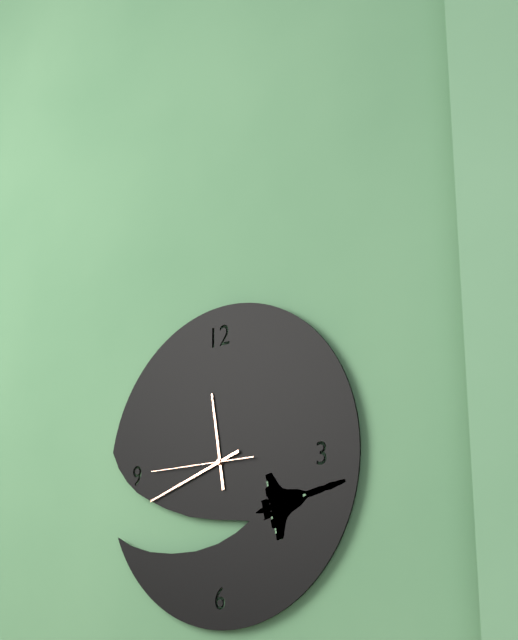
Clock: 11:42:45
